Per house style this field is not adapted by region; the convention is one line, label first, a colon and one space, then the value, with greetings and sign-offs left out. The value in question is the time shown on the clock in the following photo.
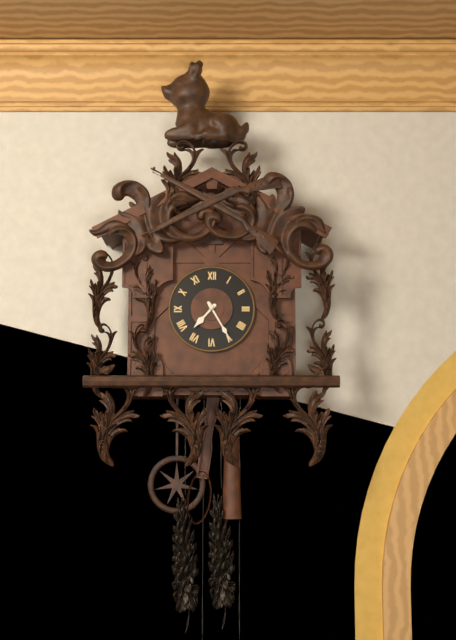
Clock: 7:25
